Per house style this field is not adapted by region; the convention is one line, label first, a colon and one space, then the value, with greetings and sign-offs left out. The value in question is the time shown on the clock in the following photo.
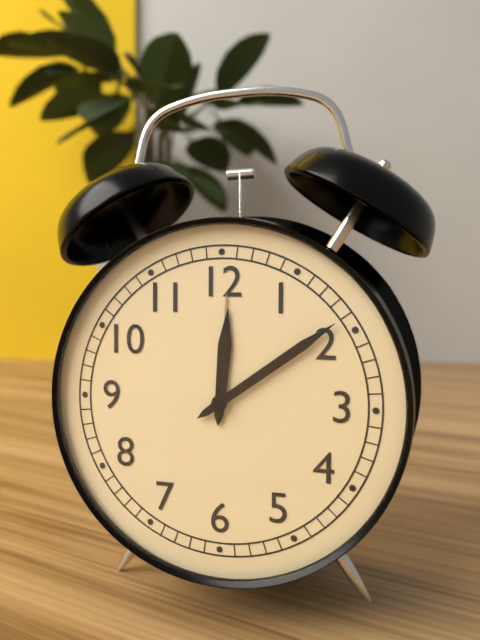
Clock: 12:09
